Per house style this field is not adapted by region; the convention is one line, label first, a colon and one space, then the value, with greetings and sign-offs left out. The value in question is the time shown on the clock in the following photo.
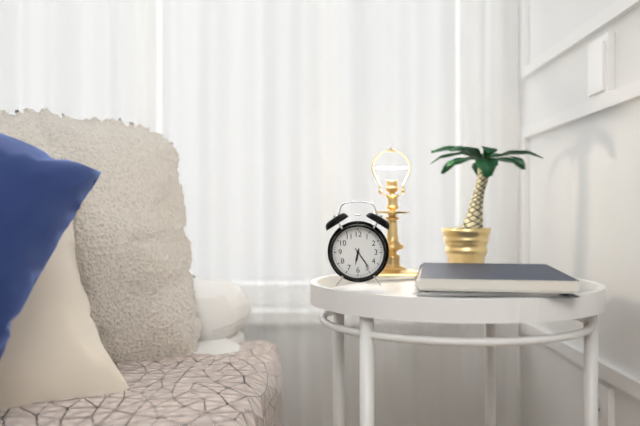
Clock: 6:24
